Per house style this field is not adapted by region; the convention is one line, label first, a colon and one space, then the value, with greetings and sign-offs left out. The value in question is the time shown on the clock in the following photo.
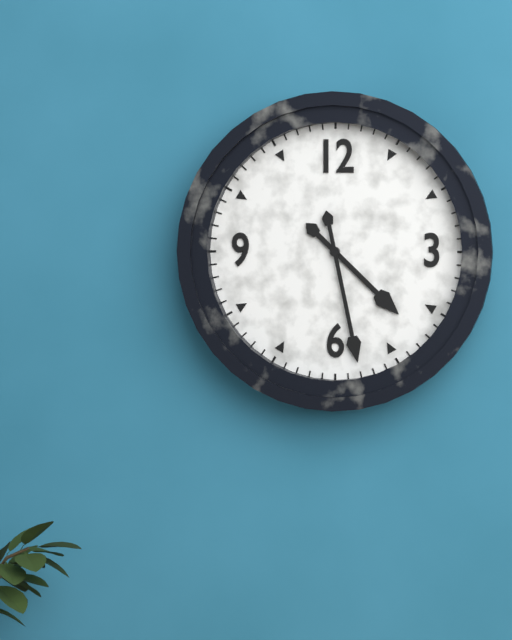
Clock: 4:28
